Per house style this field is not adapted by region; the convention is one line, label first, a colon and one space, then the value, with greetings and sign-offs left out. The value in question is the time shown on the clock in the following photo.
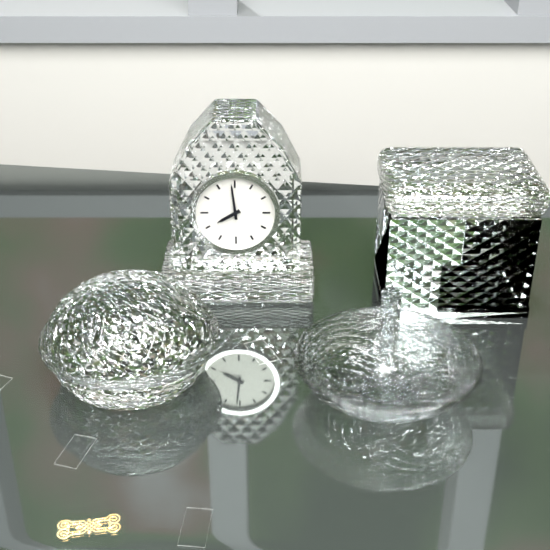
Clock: 7:59
